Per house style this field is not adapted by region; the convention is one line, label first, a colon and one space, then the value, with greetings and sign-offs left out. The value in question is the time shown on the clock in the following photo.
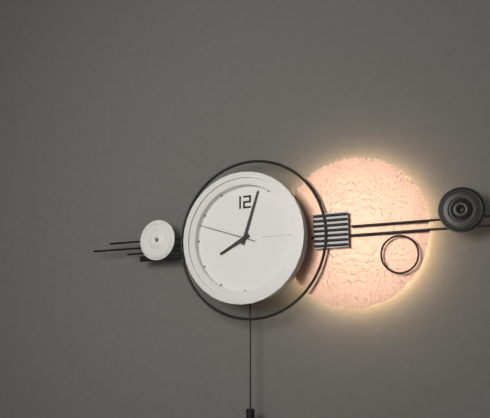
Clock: 8:03:48
